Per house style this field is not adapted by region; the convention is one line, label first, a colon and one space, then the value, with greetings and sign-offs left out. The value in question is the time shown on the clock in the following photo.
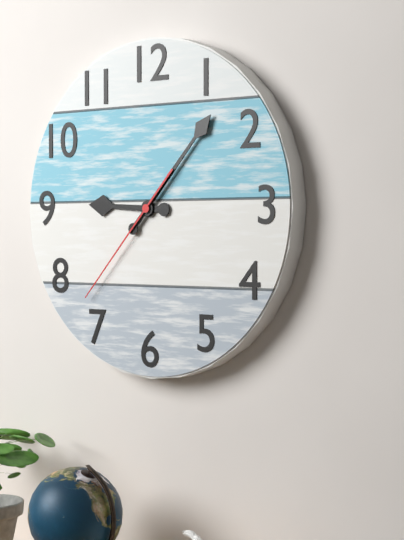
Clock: 9:07:37
